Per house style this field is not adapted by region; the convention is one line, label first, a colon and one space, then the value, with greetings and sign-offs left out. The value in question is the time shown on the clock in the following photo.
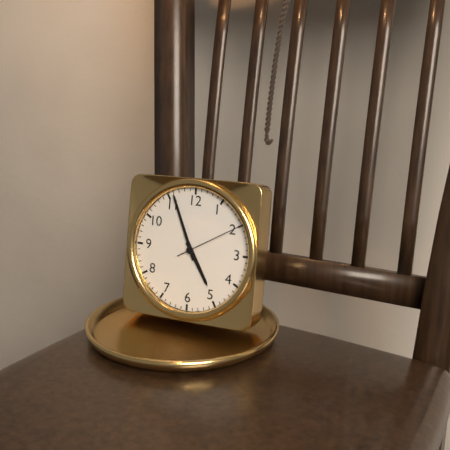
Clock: 4:56:10
